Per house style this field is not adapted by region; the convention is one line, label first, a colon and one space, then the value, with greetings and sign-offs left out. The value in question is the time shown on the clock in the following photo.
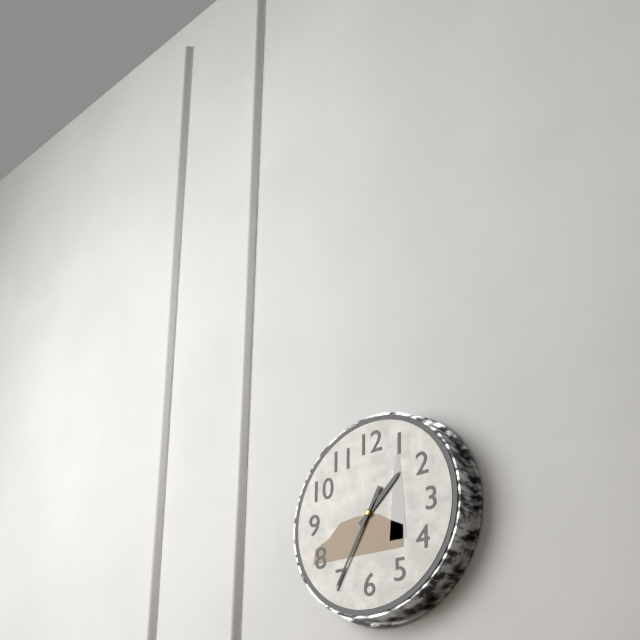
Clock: 1:35
